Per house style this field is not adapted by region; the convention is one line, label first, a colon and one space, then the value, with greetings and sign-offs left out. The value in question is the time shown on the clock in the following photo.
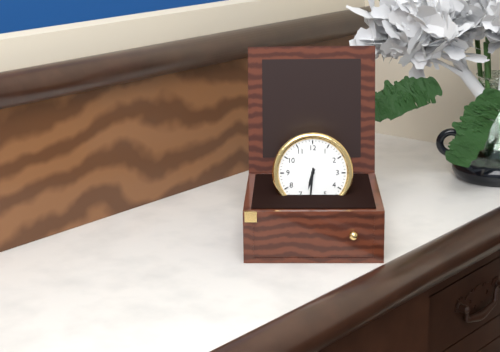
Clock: 6:31
